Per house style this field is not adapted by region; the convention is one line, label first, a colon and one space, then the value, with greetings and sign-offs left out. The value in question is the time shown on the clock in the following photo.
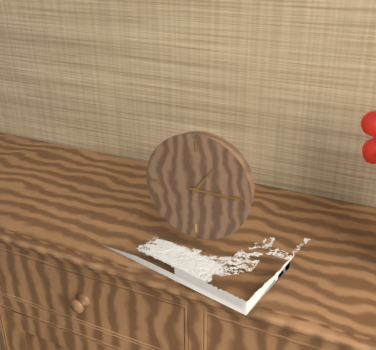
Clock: 1:15
